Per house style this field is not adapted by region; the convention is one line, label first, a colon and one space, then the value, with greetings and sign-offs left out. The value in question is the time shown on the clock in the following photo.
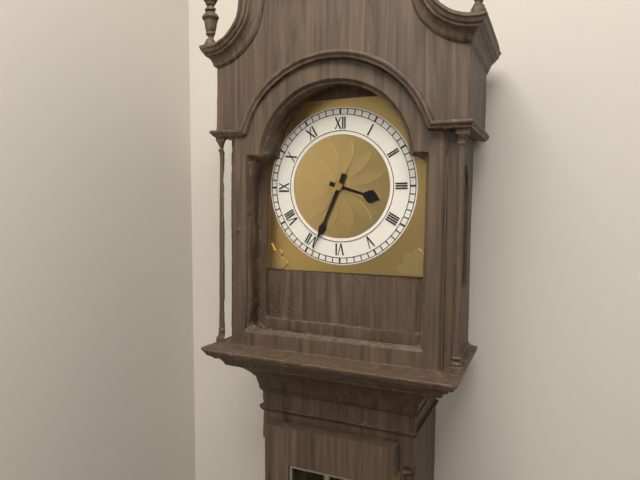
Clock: 3:34
